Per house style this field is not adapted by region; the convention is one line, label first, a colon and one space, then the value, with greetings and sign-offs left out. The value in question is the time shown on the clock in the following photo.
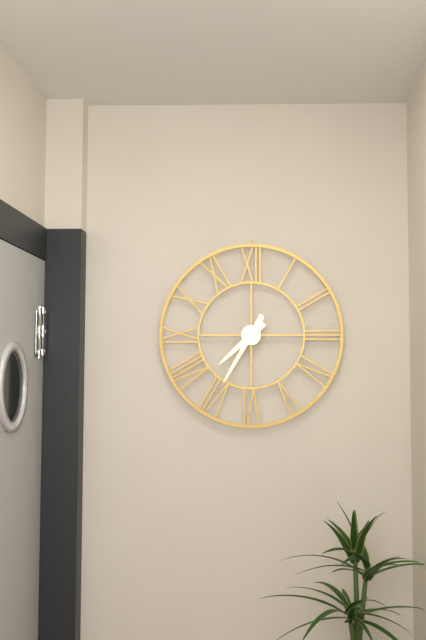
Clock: 7:35
